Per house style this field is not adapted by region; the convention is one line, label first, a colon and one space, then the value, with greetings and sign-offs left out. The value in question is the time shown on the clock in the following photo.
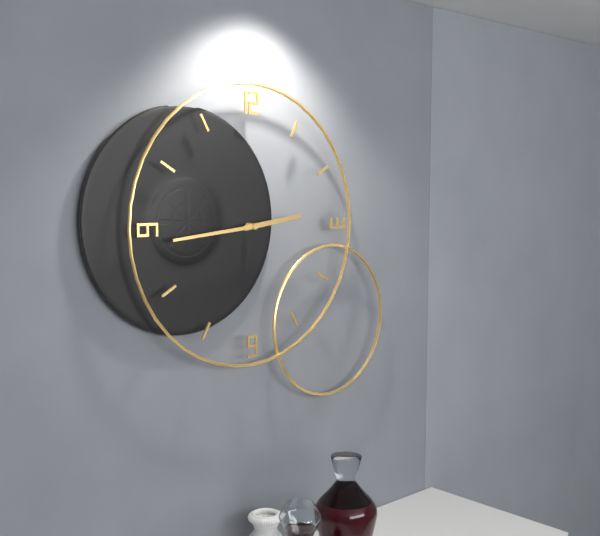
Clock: 2:44
